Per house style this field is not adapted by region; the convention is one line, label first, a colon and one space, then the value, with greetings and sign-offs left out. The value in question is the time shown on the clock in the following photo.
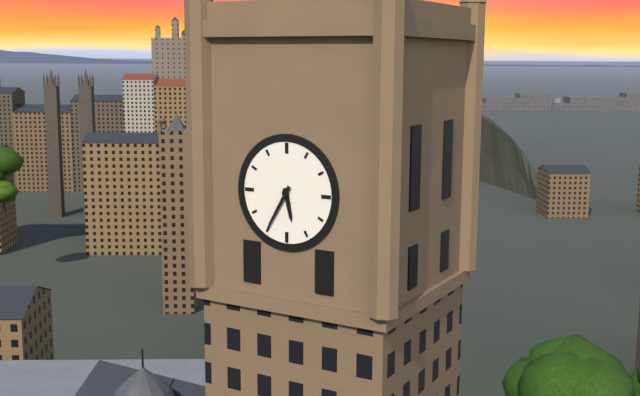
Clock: 5:35
